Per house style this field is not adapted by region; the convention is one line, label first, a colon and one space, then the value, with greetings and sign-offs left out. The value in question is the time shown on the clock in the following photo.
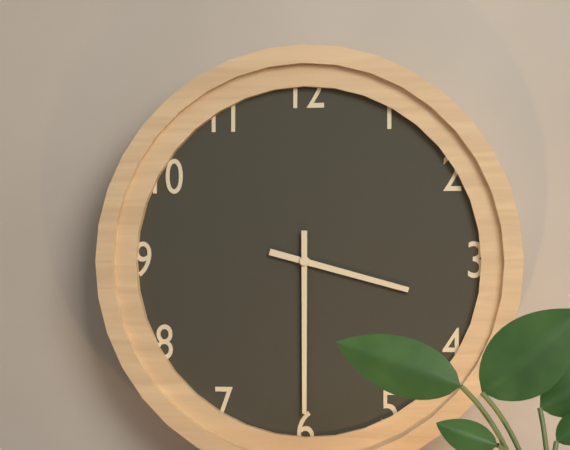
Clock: 3:30
